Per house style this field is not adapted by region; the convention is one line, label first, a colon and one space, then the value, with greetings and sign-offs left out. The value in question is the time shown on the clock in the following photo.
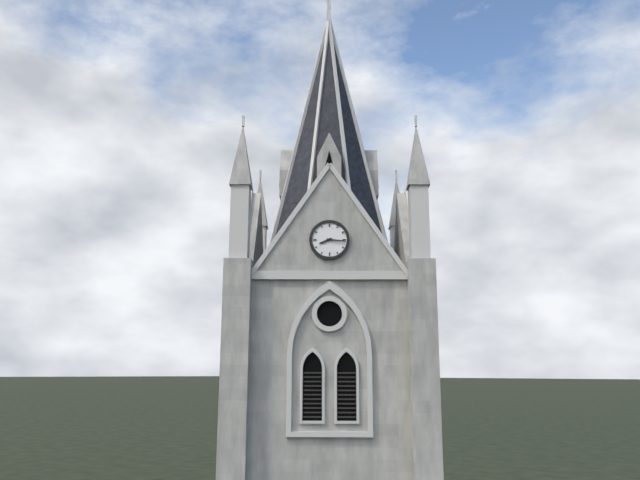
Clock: 8:16
